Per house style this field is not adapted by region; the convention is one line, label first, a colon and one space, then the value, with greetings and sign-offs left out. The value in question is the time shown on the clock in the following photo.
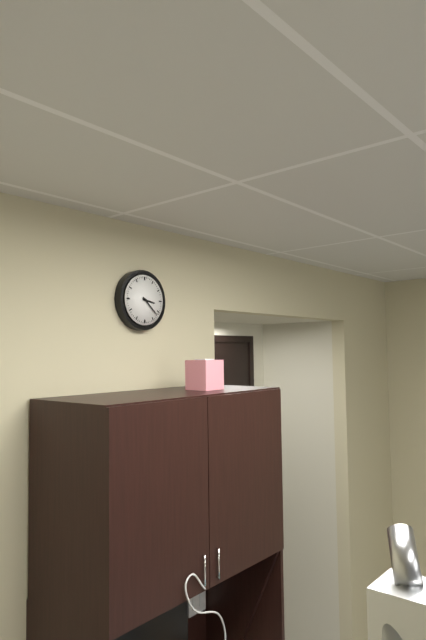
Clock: 3:22
